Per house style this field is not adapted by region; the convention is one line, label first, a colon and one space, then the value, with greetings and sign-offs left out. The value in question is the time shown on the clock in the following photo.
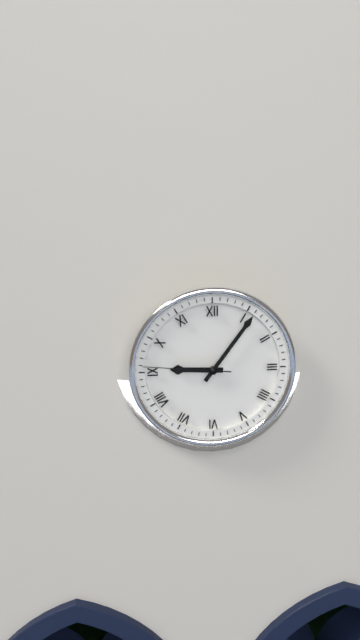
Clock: 9:06:46
